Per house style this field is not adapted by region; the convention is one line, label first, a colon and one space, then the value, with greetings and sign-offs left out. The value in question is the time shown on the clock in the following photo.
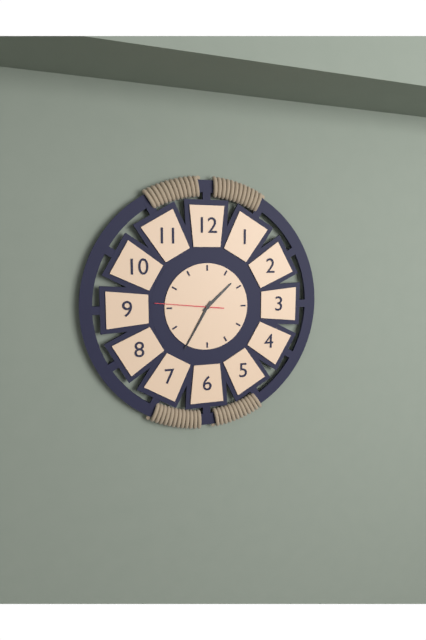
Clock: 1:35:46
